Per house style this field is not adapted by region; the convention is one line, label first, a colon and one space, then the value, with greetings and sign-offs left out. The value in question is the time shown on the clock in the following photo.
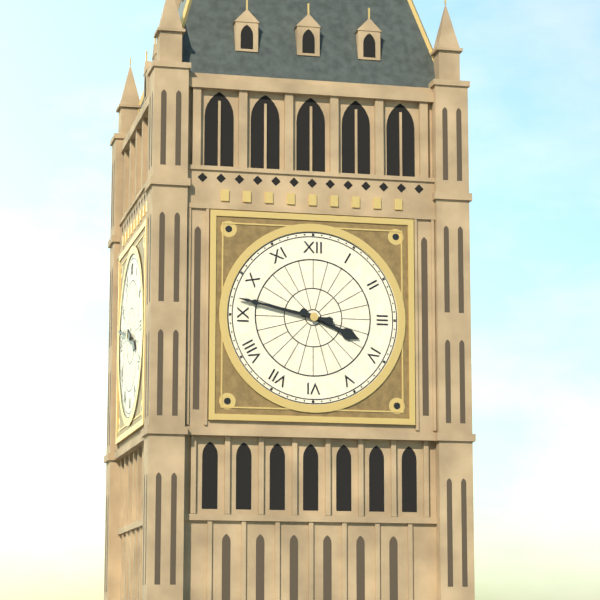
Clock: 3:47
